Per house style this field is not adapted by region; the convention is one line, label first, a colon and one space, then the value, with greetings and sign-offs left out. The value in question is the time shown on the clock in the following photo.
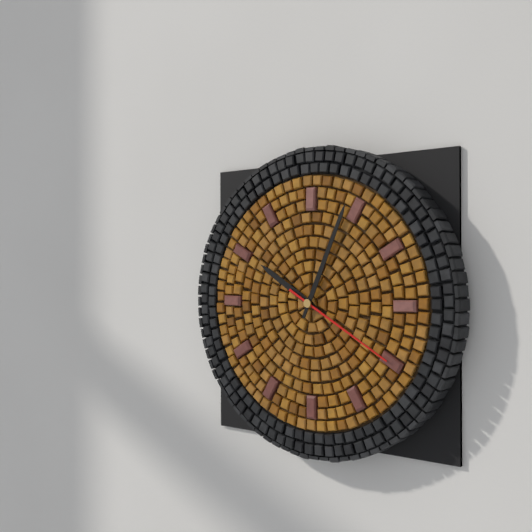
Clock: 10:04:20
